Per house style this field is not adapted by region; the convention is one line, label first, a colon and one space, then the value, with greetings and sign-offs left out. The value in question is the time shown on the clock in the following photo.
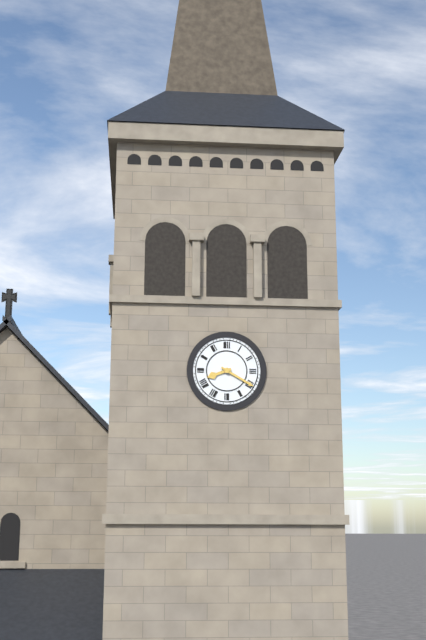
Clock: 8:20
